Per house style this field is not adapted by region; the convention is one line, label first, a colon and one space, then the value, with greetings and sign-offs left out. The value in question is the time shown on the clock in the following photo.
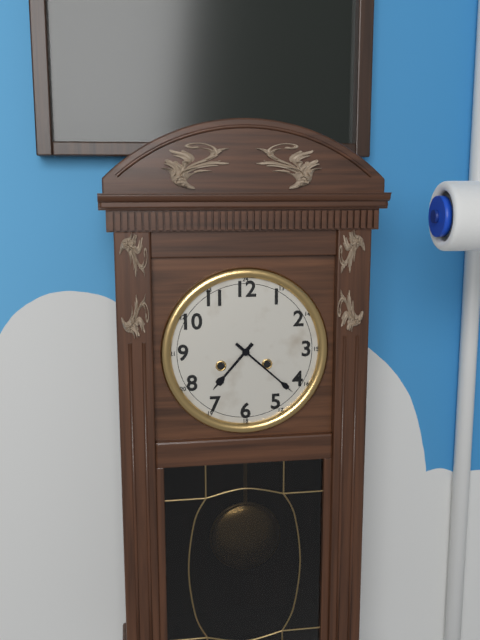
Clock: 7:22
